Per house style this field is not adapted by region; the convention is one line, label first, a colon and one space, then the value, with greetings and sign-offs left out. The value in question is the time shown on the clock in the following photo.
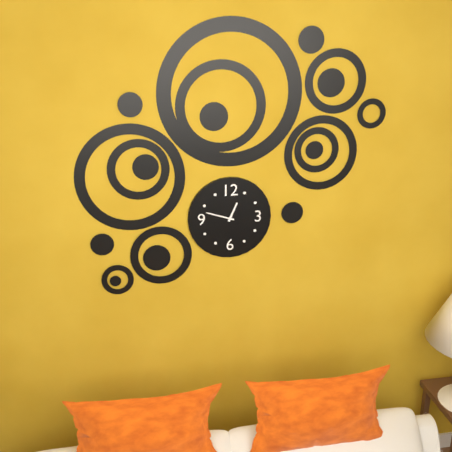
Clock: 12:48
